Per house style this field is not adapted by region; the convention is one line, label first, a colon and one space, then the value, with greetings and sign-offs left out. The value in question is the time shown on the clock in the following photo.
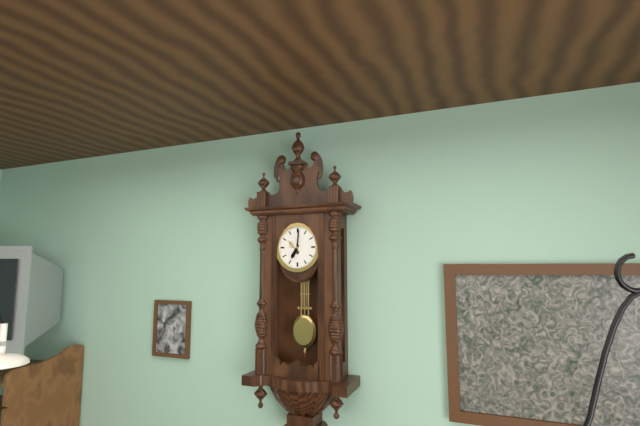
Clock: 7:01
